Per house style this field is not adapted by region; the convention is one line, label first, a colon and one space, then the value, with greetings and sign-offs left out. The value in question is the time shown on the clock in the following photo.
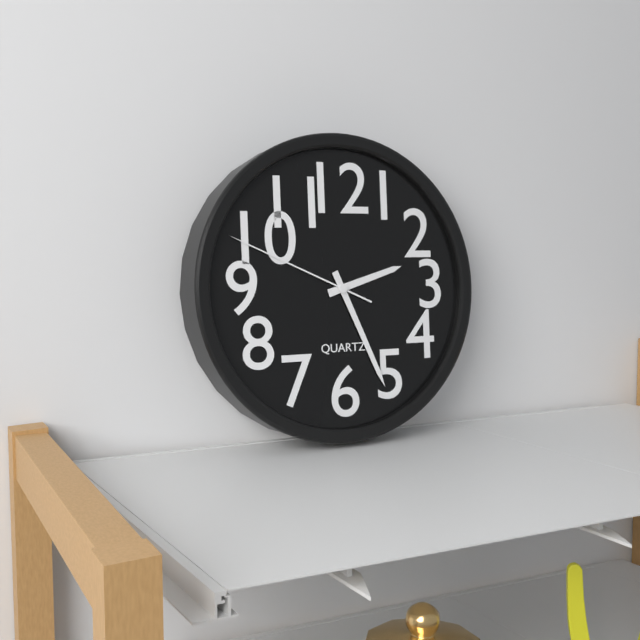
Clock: 2:26:49
